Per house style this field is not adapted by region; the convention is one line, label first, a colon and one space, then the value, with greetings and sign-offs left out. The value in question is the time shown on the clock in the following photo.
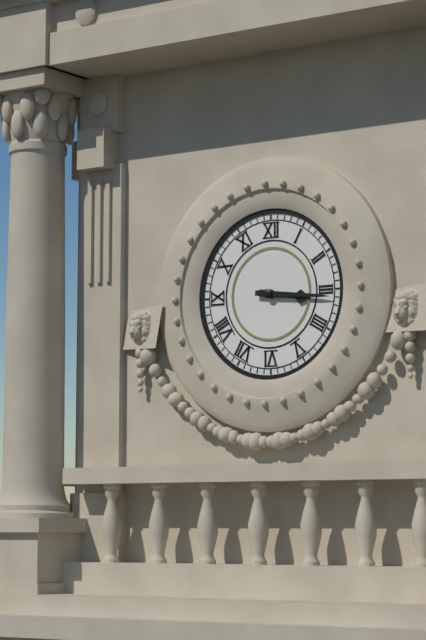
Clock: 3:16
